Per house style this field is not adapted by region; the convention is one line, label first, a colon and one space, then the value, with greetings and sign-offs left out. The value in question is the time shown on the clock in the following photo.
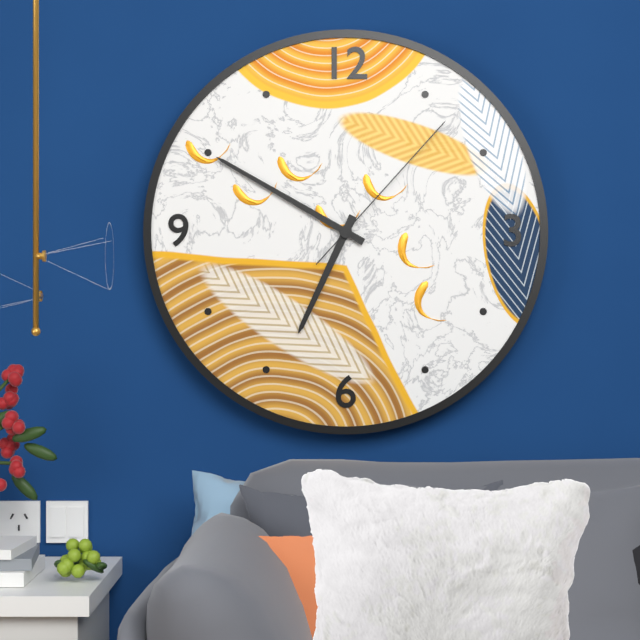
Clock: 6:50:07
